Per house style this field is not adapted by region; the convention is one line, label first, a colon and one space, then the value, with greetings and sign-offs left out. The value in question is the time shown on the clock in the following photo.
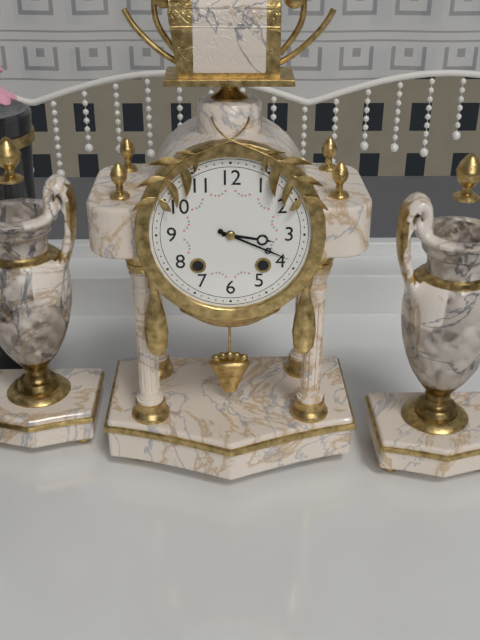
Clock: 3:19
